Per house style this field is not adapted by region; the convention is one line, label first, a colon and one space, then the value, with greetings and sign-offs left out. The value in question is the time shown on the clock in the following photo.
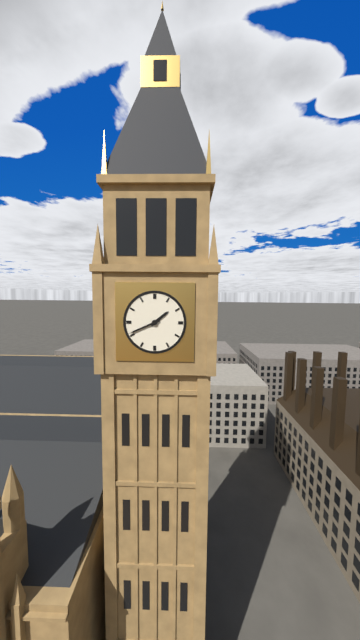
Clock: 1:41
